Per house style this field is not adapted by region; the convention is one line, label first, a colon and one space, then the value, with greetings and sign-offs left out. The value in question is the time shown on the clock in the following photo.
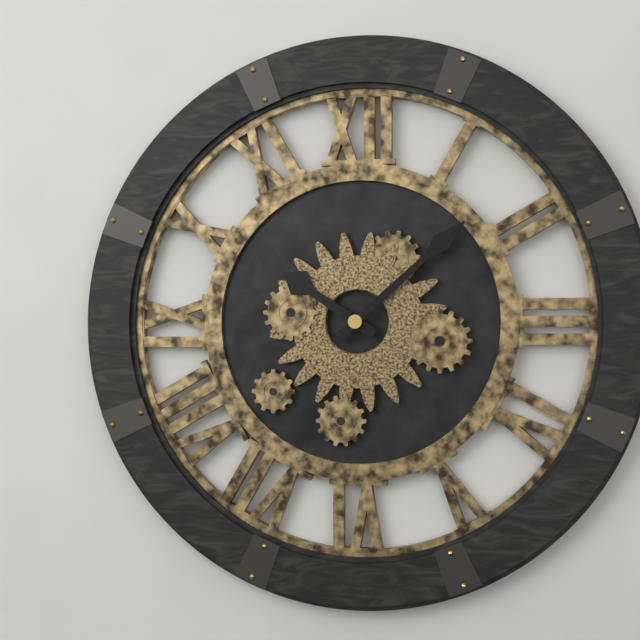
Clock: 10:08
